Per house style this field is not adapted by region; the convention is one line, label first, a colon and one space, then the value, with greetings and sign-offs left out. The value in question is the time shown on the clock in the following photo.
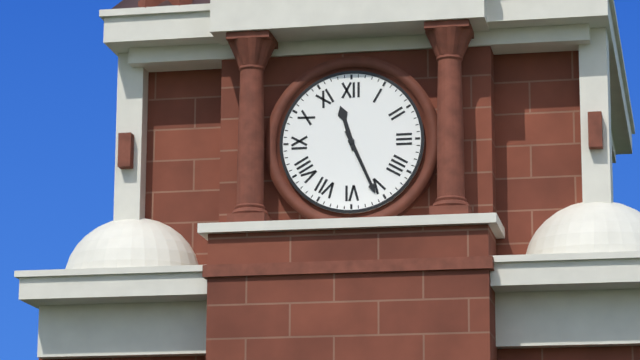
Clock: 11:26
